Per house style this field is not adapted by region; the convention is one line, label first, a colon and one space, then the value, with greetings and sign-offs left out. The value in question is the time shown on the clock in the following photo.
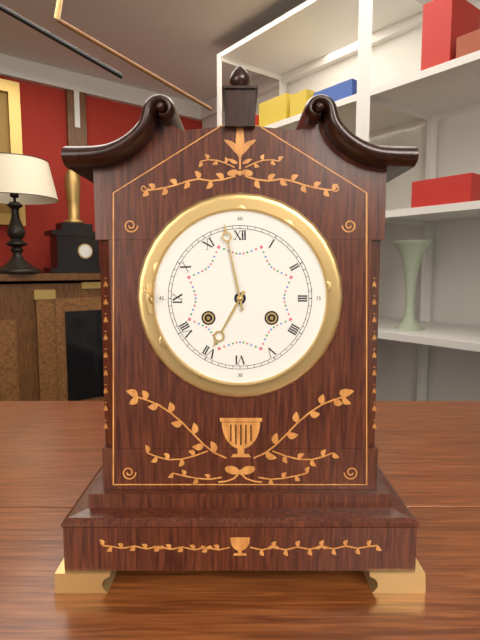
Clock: 6:58
